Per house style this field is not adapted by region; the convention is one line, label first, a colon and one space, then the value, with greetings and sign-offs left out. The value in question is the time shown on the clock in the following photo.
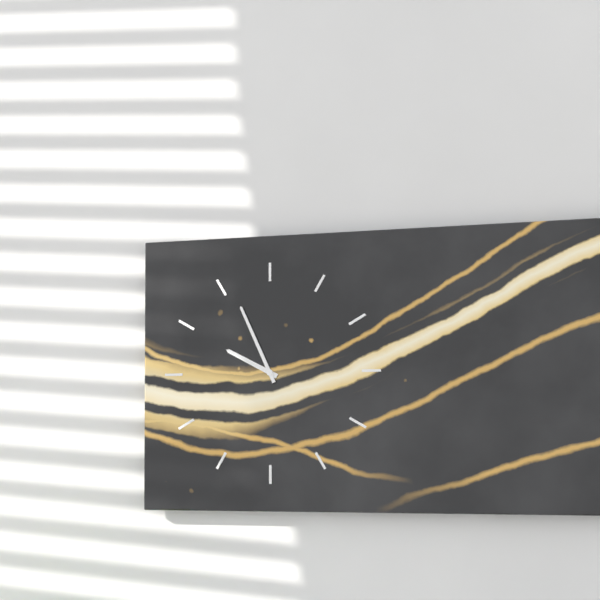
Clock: 9:56
